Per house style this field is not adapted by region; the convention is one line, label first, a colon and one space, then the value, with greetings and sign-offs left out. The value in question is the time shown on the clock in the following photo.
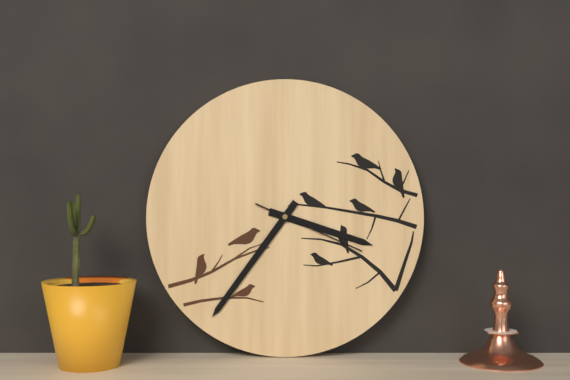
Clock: 3:36:19
